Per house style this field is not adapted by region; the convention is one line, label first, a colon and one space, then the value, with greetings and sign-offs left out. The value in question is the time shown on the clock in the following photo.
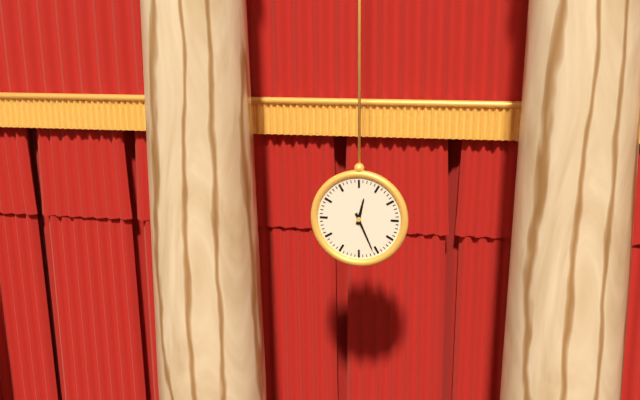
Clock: 12:26
